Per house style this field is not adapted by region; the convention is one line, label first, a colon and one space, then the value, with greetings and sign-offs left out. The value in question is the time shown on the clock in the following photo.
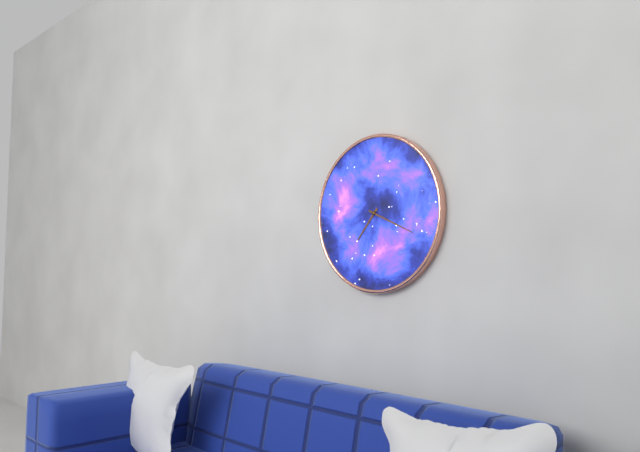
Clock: 7:19
